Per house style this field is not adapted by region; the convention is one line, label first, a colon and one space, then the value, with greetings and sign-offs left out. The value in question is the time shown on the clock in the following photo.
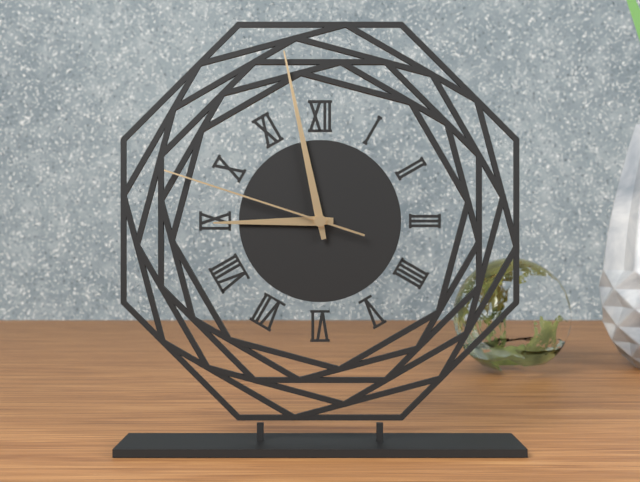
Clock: 8:58:48
